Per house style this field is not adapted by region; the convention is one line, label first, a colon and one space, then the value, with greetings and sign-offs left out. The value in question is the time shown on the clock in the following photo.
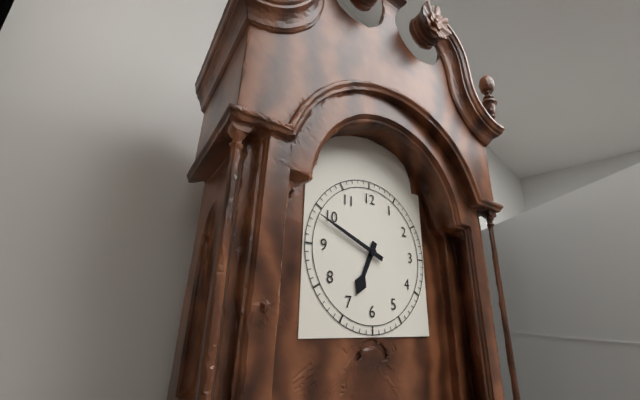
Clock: 6:49
